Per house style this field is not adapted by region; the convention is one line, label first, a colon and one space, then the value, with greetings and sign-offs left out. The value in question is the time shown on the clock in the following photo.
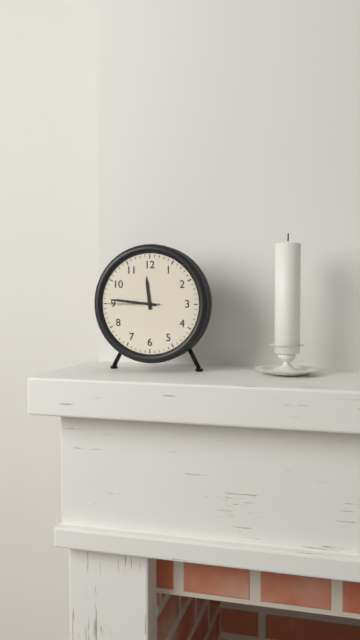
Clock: 11:46:45
